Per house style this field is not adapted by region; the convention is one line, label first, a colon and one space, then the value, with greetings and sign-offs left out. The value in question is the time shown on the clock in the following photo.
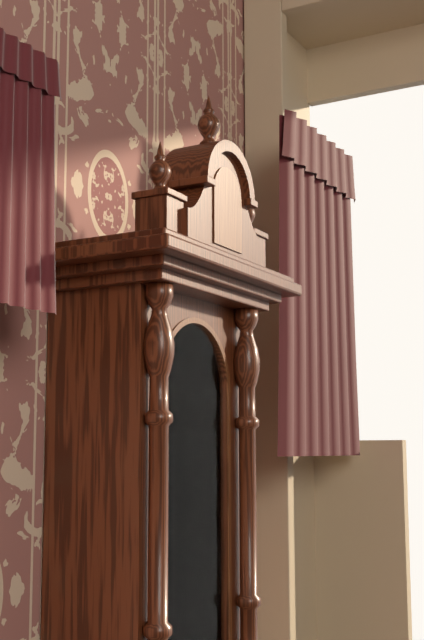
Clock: 11:21
